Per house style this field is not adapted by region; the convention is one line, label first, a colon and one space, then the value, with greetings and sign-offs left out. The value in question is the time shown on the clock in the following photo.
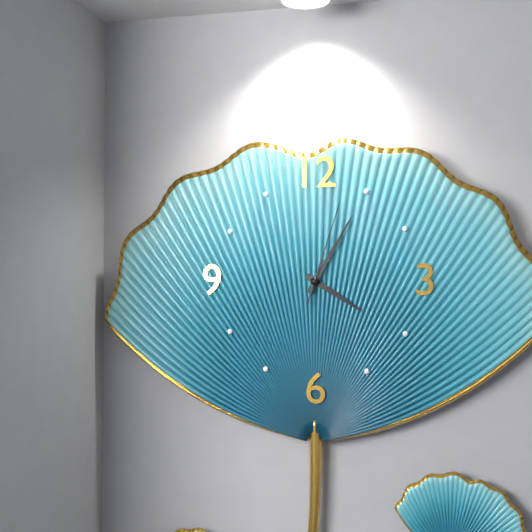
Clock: 4:05:03
